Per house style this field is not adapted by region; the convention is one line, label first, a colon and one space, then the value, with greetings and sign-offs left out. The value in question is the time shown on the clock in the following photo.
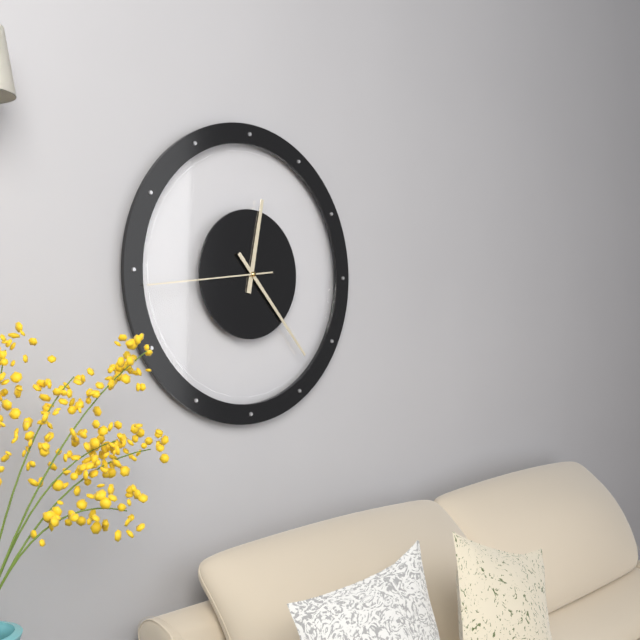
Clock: 12:23:44
